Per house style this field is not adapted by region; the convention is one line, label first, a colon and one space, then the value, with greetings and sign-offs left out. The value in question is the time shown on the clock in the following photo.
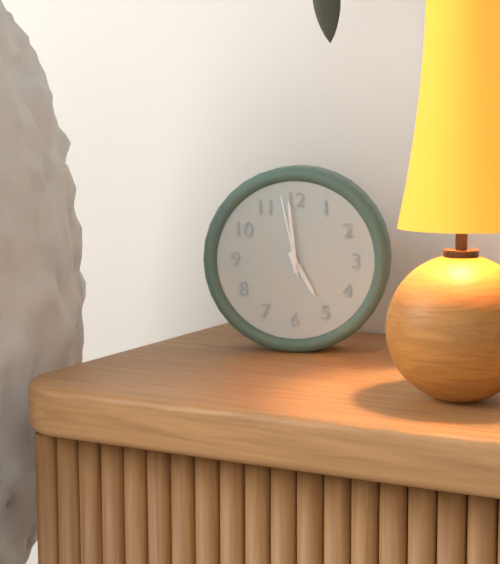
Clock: 4:59:58
